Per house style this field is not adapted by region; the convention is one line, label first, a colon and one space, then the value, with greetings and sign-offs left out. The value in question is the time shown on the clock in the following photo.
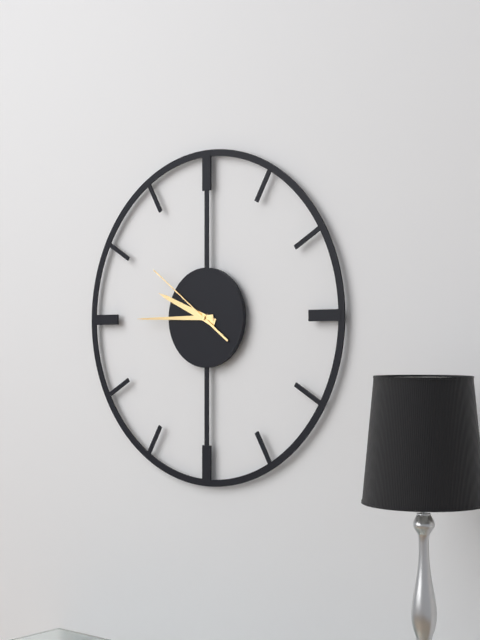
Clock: 9:45:51
